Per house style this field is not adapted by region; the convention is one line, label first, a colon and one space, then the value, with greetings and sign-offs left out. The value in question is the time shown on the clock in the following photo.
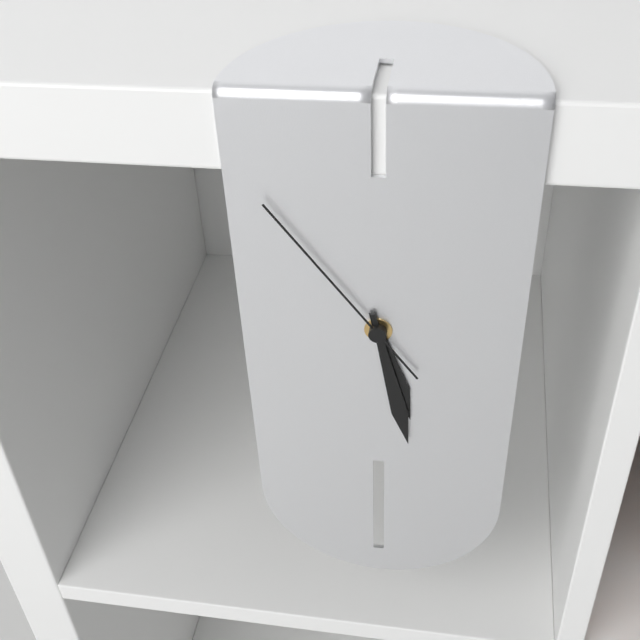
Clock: 5:28:54
